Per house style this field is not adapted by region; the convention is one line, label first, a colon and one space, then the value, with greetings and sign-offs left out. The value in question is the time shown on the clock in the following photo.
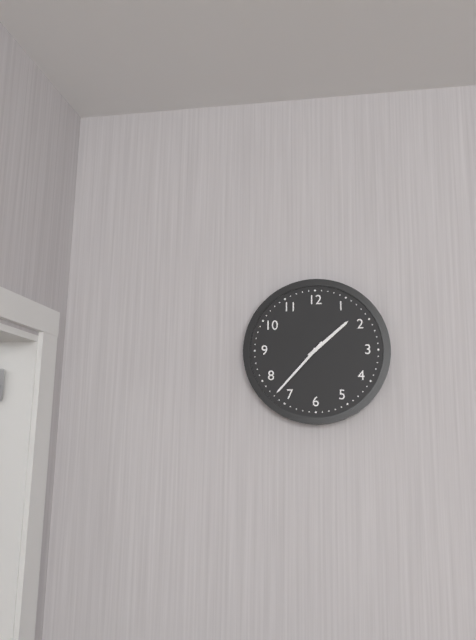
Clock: 1:37
